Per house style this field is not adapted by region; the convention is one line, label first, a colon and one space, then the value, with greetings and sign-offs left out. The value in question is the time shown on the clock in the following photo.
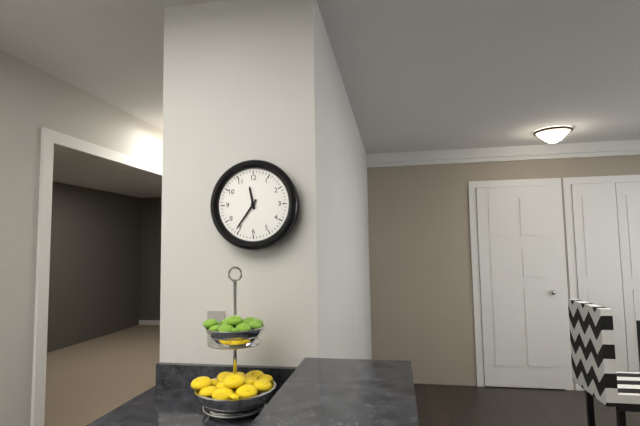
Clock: 11:36
